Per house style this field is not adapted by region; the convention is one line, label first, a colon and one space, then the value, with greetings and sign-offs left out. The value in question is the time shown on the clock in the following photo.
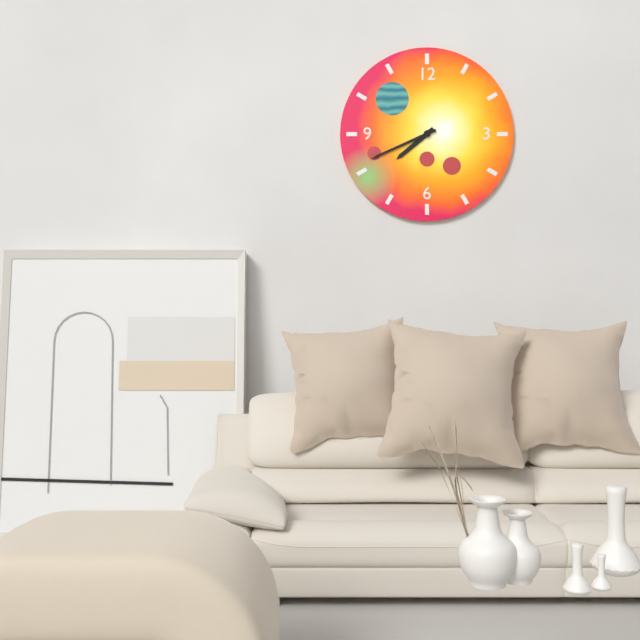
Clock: 7:41
